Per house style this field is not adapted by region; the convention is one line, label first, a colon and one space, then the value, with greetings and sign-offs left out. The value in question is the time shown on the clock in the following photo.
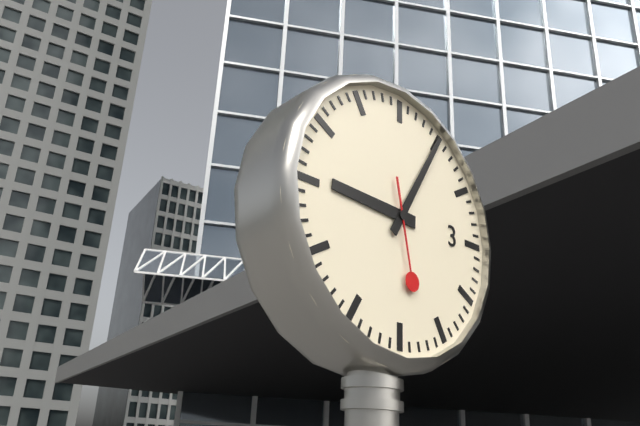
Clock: 9:05:28
